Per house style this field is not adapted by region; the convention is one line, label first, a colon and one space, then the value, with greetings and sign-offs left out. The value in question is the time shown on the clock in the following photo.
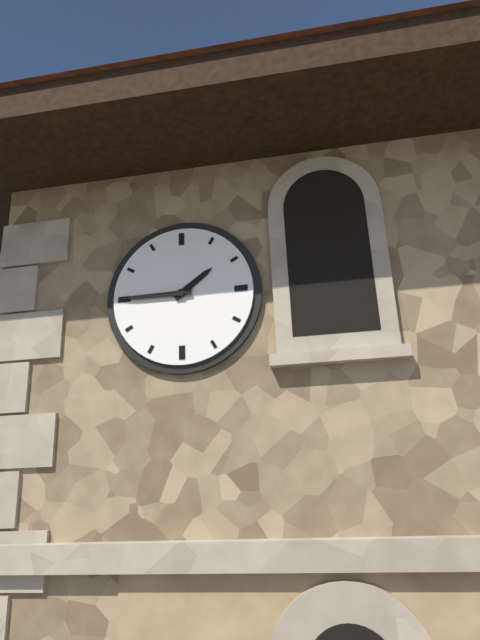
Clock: 1:45
